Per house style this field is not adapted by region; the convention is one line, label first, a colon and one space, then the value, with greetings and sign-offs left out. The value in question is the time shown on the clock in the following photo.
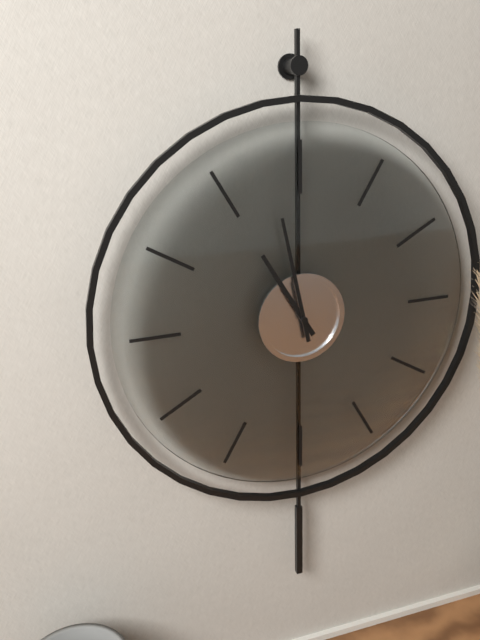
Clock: 10:58
